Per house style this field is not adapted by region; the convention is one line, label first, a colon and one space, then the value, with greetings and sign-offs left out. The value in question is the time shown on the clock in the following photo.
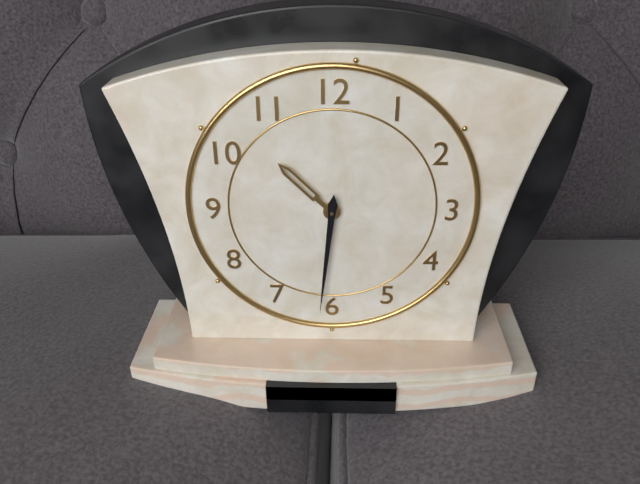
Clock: 10:31
